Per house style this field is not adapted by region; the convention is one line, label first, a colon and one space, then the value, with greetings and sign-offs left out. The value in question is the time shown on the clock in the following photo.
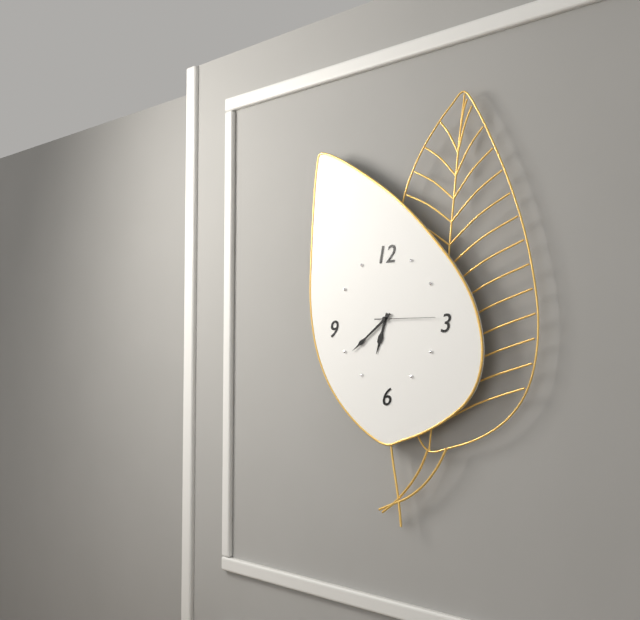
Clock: 6:39:15
